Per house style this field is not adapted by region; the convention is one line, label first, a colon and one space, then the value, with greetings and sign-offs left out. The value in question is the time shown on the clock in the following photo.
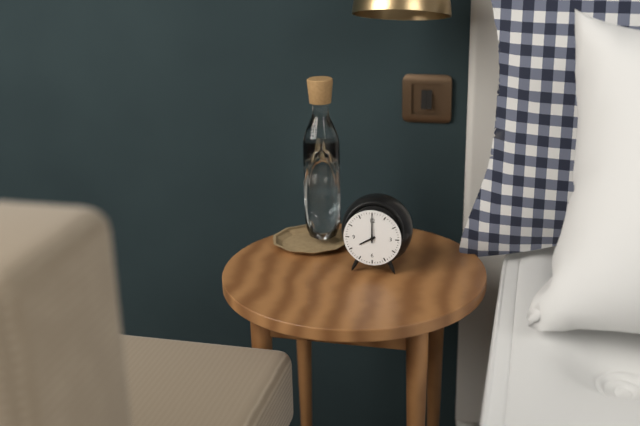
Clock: 8:00
